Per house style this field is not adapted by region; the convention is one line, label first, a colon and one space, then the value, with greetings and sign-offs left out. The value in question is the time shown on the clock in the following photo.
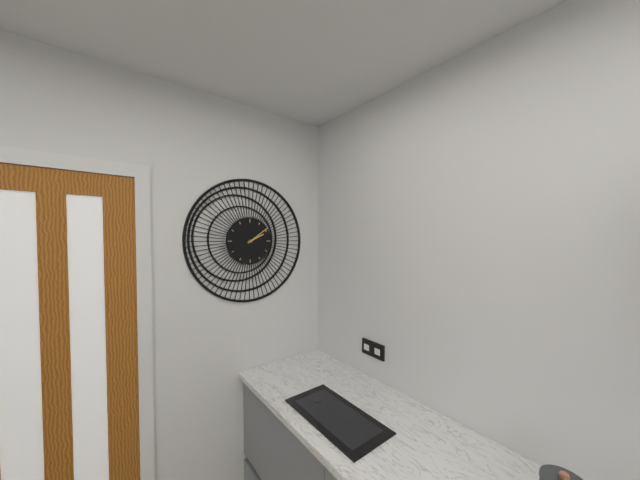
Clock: 2:09
